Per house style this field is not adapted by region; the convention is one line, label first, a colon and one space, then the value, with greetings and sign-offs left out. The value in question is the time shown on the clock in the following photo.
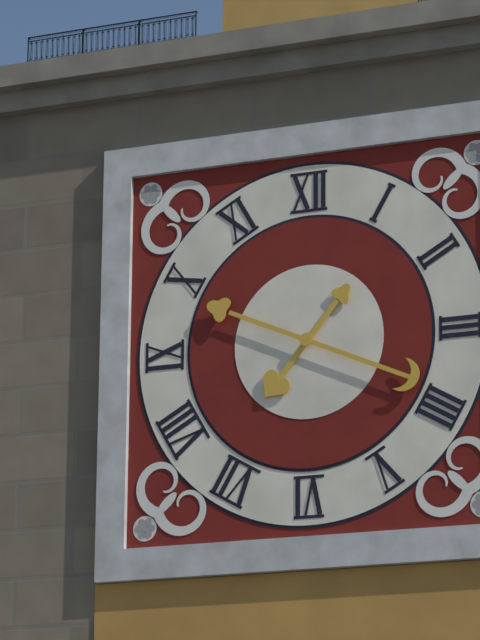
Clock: 7:19
